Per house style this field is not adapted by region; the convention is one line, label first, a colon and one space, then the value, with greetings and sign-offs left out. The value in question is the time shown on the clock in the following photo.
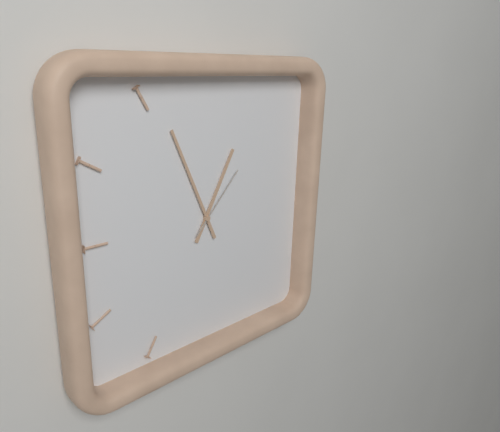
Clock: 12:56:07
